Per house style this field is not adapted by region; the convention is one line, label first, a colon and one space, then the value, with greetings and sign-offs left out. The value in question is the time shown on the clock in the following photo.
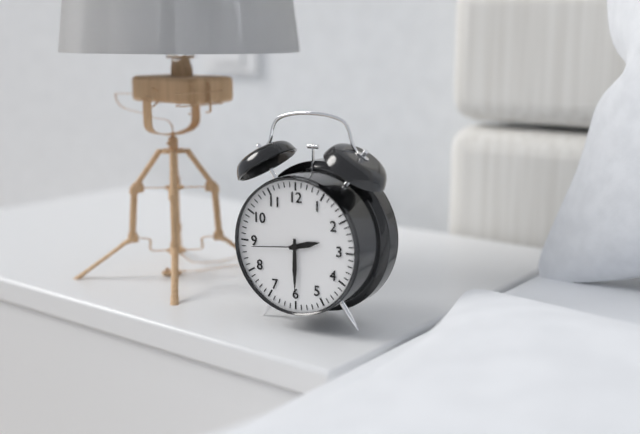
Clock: 2:30:44
